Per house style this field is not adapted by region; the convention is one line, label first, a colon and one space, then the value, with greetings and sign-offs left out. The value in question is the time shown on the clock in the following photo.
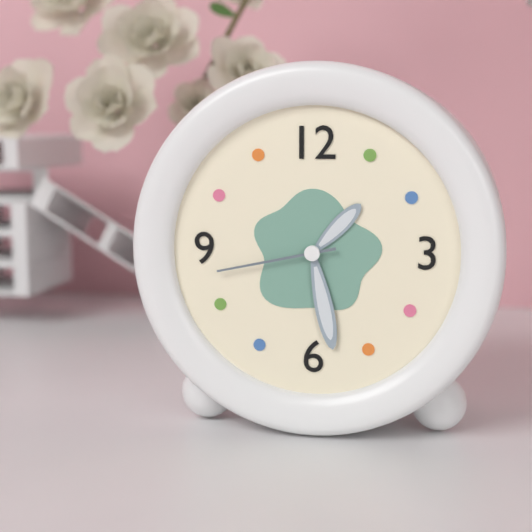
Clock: 1:28:43
